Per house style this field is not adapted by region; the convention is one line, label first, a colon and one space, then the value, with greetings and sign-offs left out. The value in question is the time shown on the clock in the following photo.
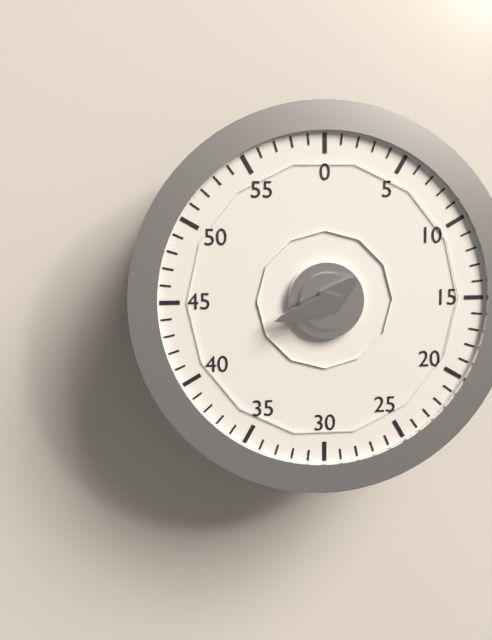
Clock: 1:42
